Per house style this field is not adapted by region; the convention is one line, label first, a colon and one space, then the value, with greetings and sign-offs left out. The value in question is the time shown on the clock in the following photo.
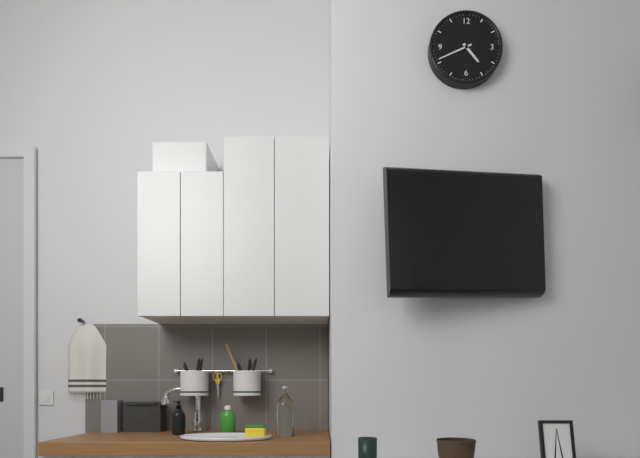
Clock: 4:41
